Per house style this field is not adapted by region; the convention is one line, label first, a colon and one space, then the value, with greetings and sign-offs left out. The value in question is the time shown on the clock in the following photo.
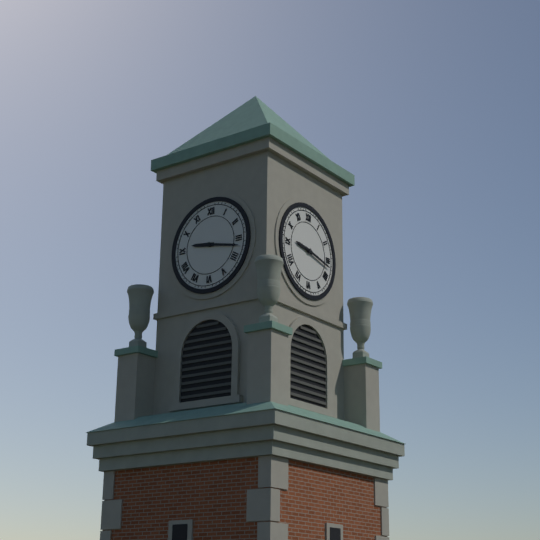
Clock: 9:17
